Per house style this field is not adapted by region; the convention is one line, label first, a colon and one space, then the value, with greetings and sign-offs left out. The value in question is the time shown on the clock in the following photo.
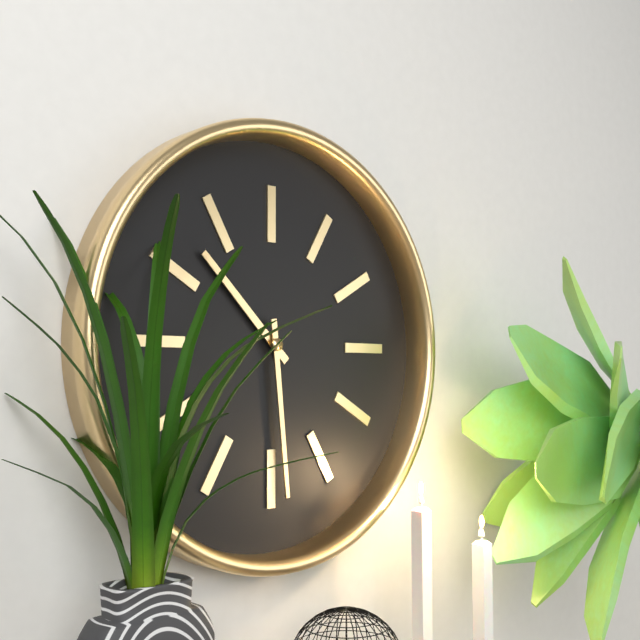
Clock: 10:29
